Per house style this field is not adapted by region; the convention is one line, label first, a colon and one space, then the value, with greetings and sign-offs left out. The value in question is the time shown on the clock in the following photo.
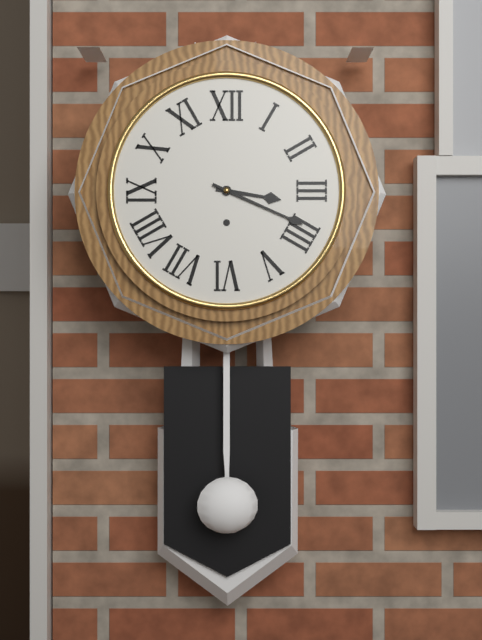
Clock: 3:19
